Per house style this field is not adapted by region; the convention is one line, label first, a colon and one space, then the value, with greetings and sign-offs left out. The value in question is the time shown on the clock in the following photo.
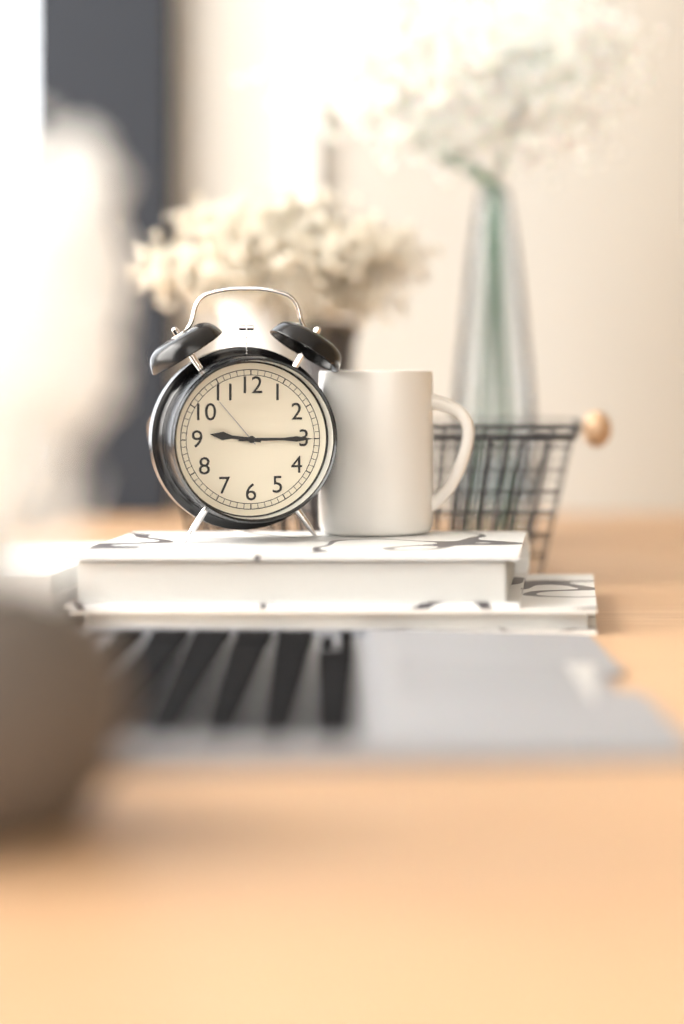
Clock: 9:15
